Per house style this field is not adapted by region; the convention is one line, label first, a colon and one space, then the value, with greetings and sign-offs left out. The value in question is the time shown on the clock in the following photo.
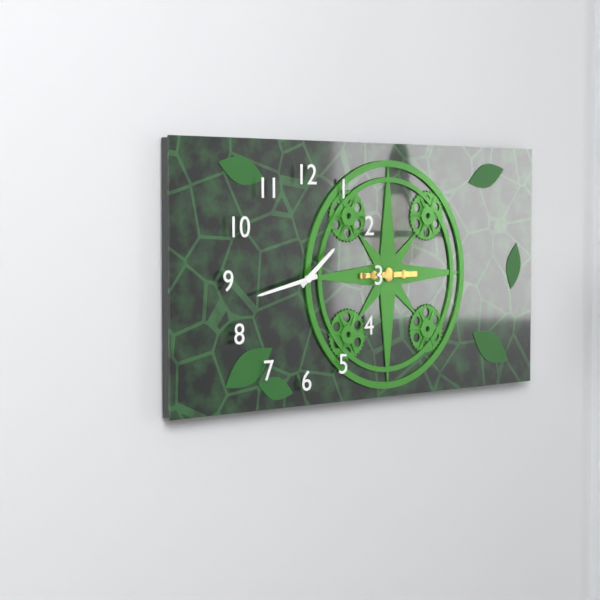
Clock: 1:43
